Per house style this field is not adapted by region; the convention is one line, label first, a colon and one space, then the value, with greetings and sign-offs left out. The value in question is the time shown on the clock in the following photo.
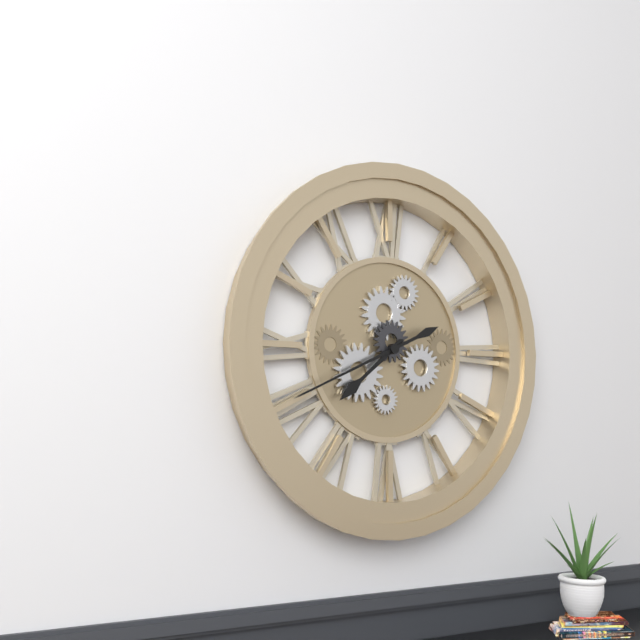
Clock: 7:41
